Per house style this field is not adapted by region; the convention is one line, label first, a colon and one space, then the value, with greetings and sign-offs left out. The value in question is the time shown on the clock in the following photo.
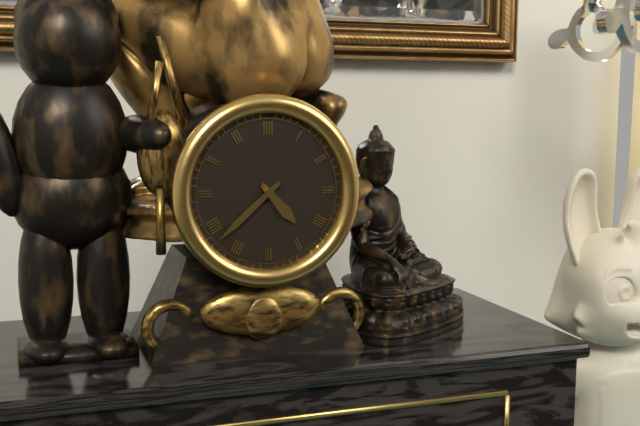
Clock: 4:38
